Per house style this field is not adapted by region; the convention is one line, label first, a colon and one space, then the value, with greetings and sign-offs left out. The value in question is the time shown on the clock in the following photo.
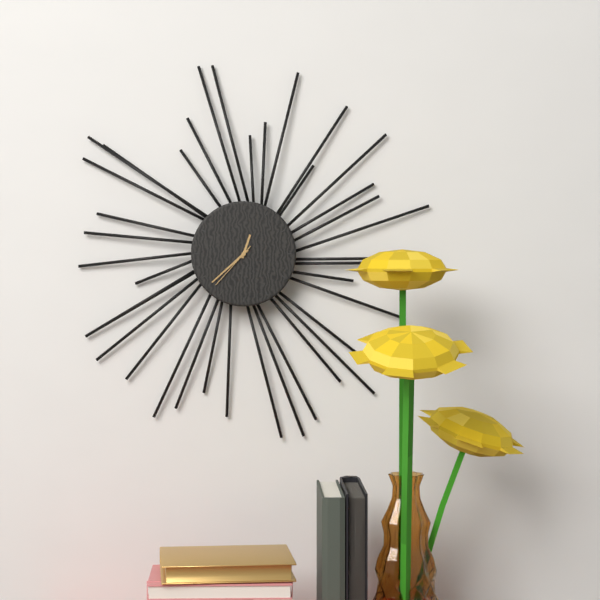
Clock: 12:38:37
